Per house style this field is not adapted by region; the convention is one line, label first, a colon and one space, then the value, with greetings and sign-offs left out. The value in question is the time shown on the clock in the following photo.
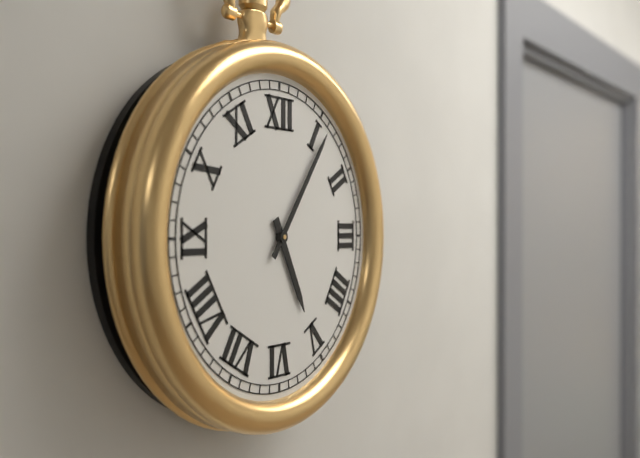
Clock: 5:06
